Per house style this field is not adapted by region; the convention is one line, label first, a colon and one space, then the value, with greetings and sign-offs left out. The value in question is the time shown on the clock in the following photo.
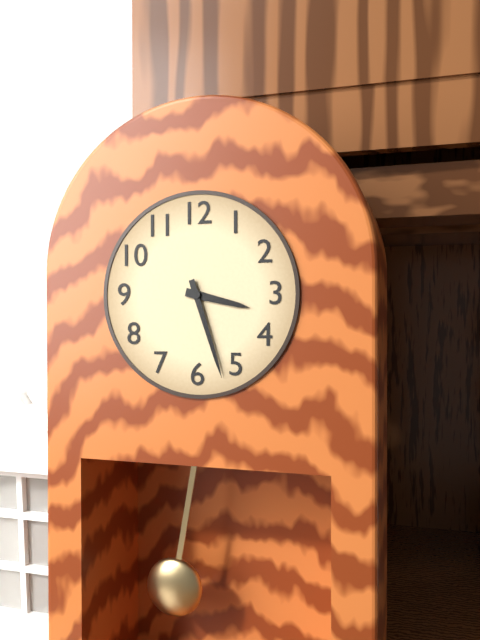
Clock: 3:27
